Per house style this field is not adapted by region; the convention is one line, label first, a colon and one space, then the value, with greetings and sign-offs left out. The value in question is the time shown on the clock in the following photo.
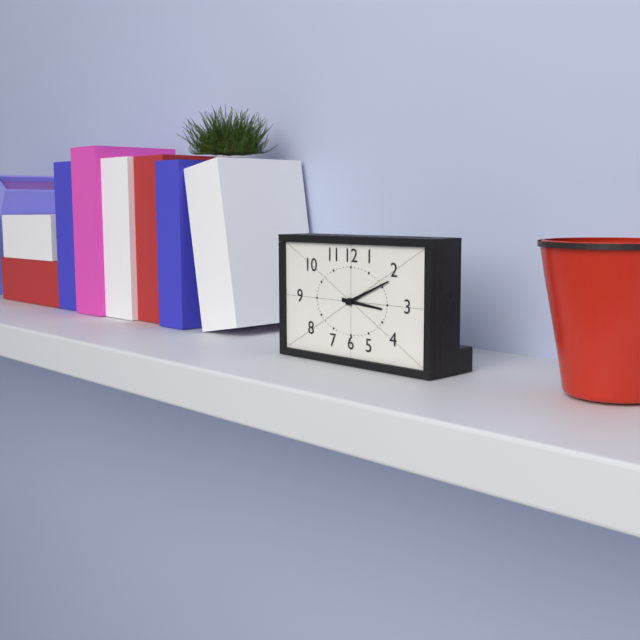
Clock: 3:11
